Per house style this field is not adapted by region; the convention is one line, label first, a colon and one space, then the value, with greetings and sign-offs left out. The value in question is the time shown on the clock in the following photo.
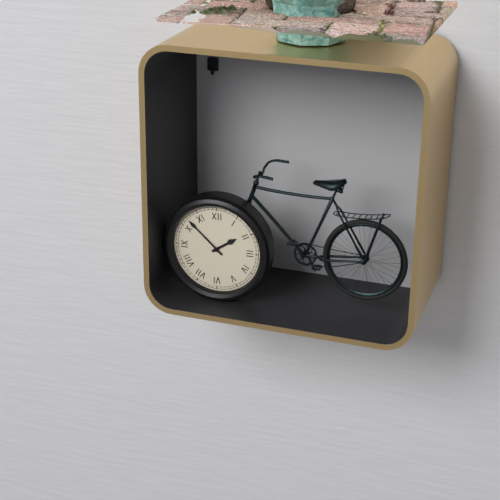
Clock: 1:52
